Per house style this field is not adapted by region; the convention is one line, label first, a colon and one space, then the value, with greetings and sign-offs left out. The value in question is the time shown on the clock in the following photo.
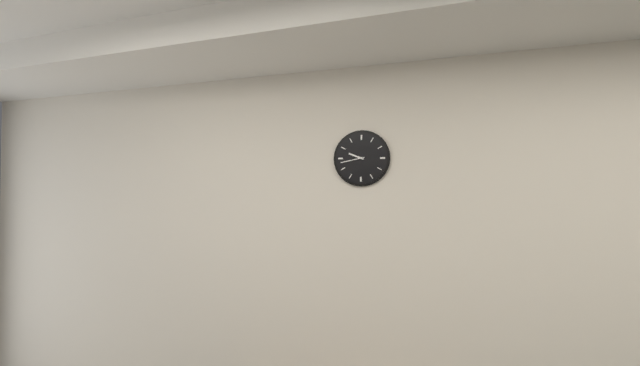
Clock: 9:43
